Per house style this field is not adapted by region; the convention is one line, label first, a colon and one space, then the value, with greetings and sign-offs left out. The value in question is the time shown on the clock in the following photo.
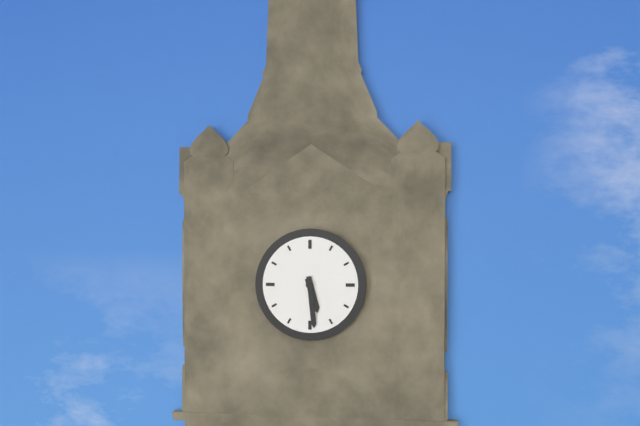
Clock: 5:29
